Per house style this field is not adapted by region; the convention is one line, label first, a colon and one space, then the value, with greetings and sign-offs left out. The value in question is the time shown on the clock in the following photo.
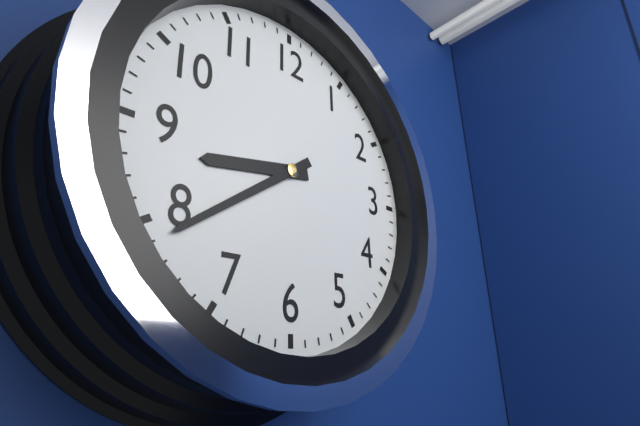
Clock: 8:39
